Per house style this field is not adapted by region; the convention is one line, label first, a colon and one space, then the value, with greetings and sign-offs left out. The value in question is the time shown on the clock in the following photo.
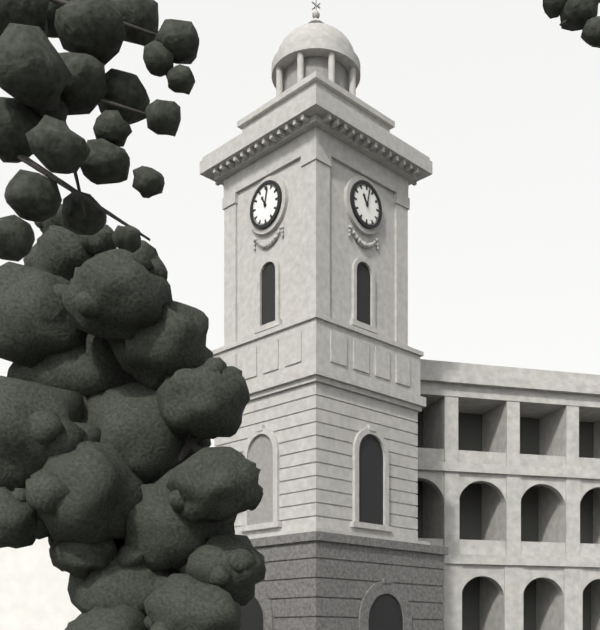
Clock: 11:02
